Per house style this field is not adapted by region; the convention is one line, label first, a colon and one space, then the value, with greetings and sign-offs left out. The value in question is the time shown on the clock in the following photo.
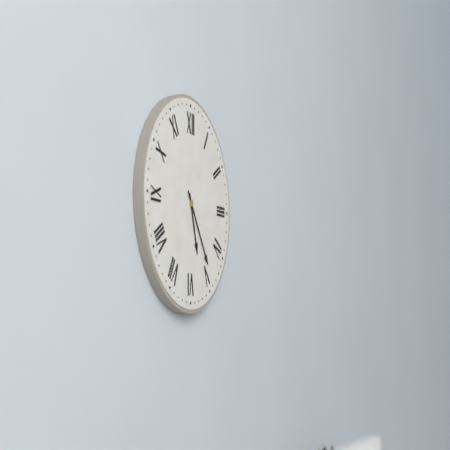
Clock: 5:24
